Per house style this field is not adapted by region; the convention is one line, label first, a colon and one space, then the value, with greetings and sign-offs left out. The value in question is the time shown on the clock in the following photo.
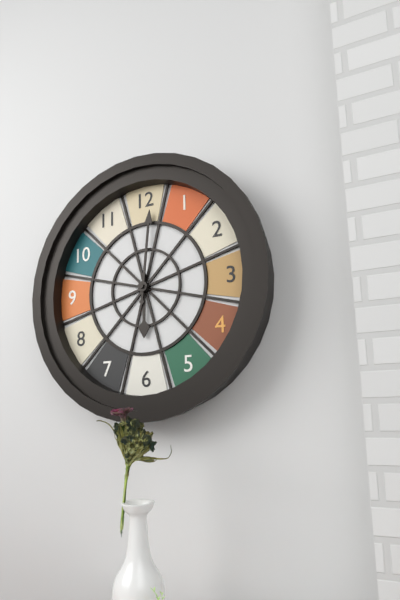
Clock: 6:01
